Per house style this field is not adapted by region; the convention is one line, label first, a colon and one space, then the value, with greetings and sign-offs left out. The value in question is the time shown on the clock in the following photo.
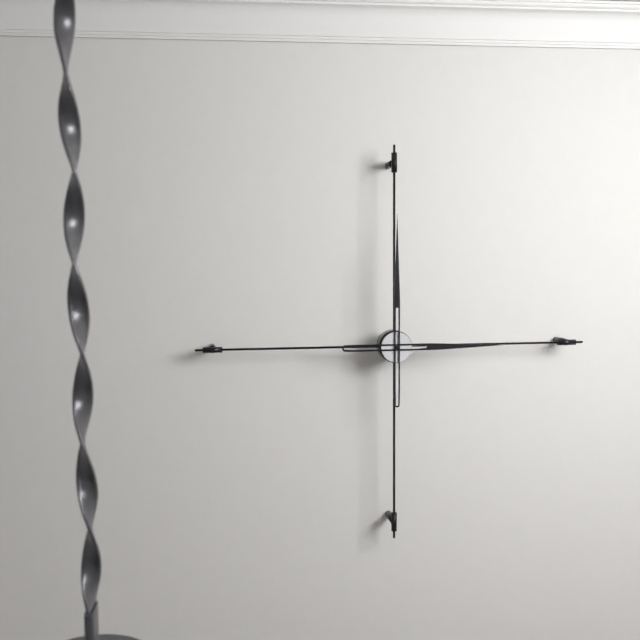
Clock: 3:00
